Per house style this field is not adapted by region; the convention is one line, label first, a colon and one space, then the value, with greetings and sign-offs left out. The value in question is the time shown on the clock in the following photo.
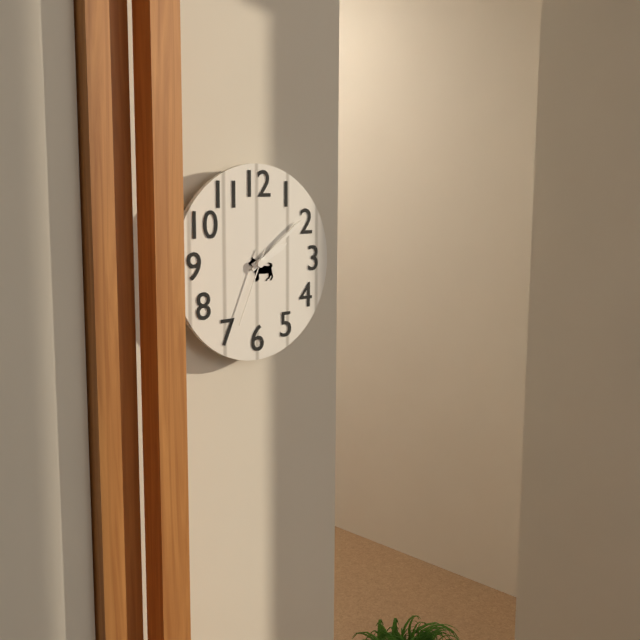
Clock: 2:09:34
